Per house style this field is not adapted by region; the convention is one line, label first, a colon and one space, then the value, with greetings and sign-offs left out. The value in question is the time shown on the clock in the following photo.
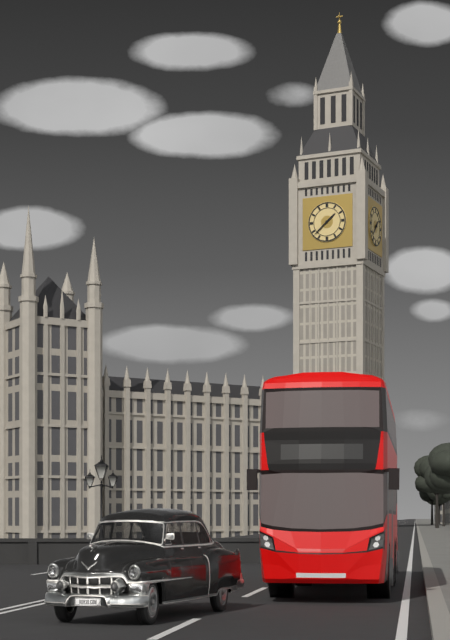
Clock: 1:38
